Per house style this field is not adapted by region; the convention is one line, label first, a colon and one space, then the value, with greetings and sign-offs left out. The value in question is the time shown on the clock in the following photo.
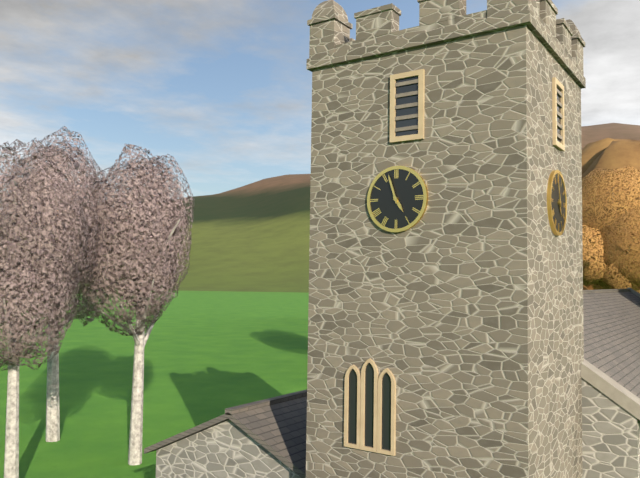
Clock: 4:57
